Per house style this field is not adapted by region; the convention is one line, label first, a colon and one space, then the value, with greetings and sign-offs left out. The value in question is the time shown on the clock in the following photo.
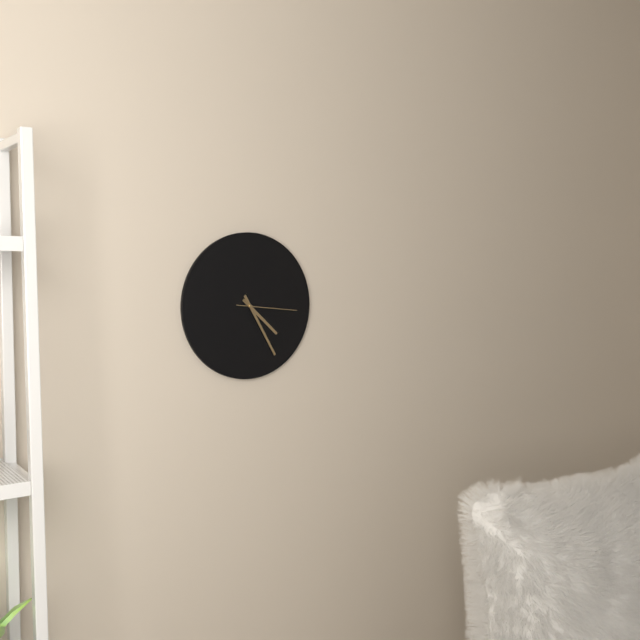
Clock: 4:25:16
